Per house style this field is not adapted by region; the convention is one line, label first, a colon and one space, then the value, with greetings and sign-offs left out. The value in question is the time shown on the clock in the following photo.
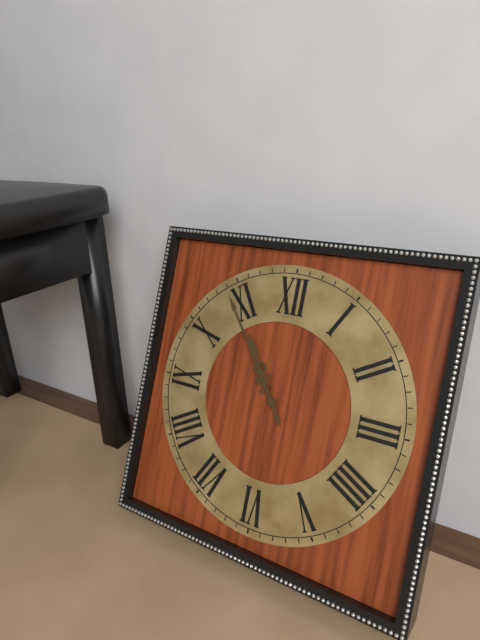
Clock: 10:54
